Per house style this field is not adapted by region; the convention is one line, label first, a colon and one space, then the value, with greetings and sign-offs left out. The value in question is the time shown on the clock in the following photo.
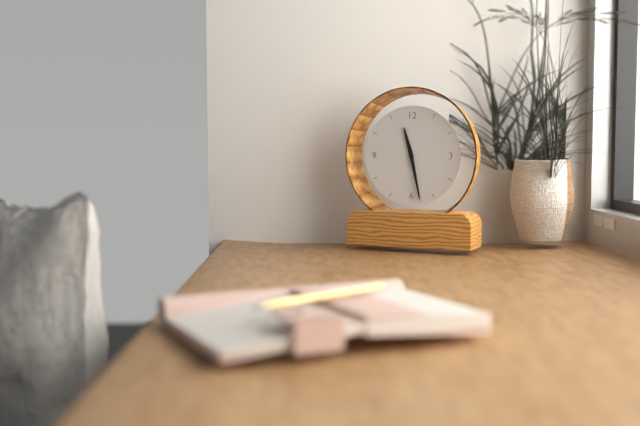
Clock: 11:28
